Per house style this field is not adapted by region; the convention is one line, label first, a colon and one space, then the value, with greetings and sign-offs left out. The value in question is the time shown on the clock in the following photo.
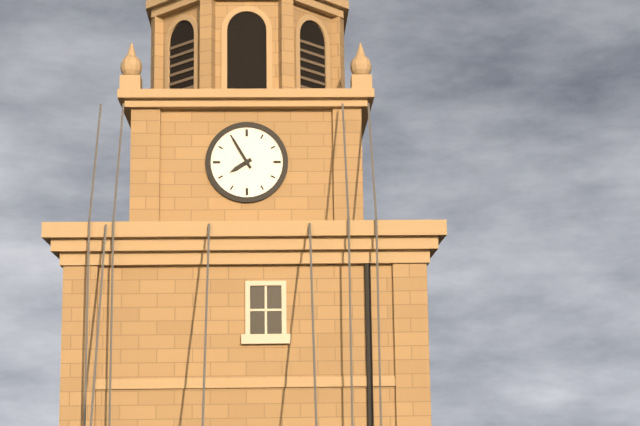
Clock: 7:55
